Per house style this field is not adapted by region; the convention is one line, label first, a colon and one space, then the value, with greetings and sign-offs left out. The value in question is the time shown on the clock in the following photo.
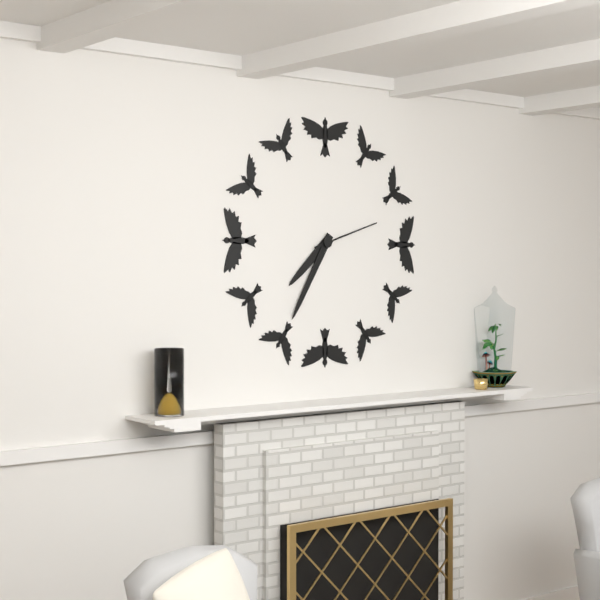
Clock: 7:35:12
